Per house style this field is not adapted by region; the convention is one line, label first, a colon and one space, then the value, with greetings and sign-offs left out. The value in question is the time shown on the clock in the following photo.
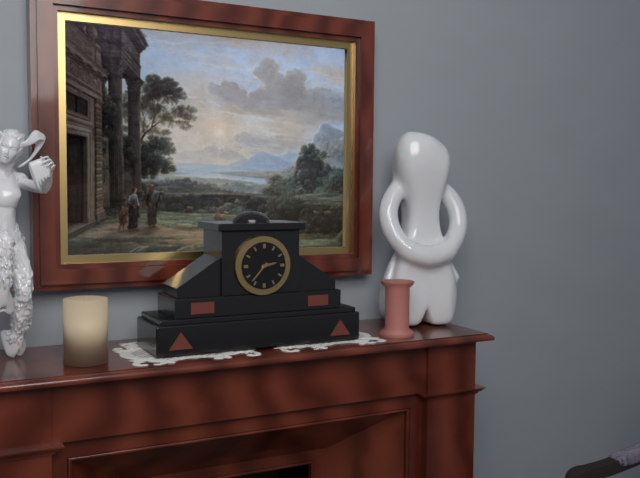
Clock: 2:37
